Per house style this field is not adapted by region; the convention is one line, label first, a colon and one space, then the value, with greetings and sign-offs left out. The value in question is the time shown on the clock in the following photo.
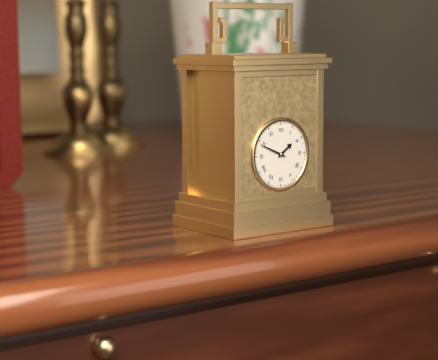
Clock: 1:49
